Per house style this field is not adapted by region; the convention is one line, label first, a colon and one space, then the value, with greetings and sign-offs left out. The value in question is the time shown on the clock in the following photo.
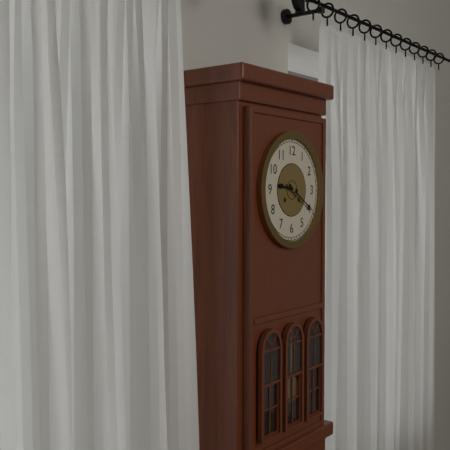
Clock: 9:20
